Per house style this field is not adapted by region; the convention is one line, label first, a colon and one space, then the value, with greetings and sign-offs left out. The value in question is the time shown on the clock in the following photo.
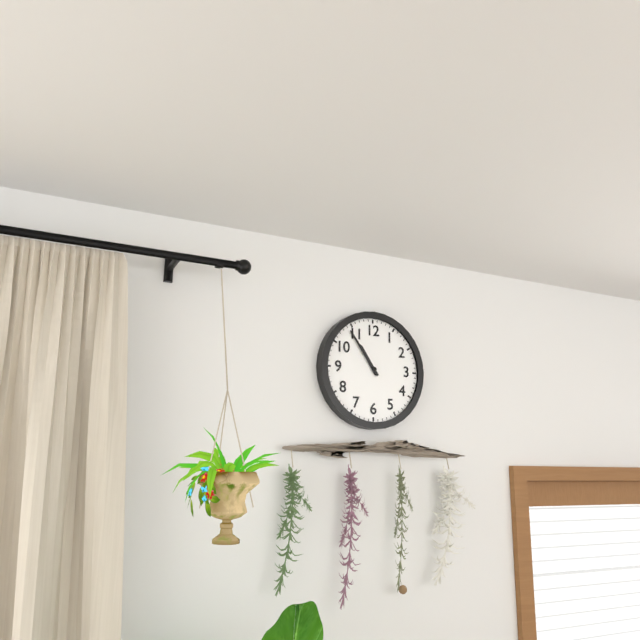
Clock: 10:54
